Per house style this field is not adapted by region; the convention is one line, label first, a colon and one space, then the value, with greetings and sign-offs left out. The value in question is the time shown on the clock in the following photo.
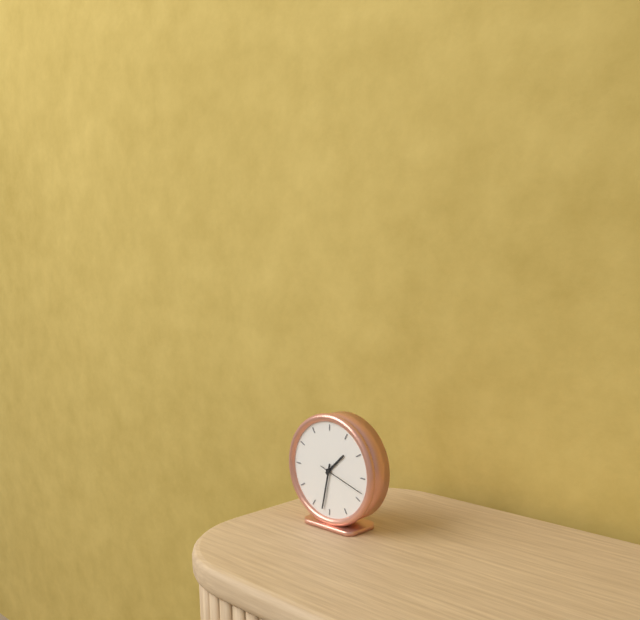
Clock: 1:32:18
